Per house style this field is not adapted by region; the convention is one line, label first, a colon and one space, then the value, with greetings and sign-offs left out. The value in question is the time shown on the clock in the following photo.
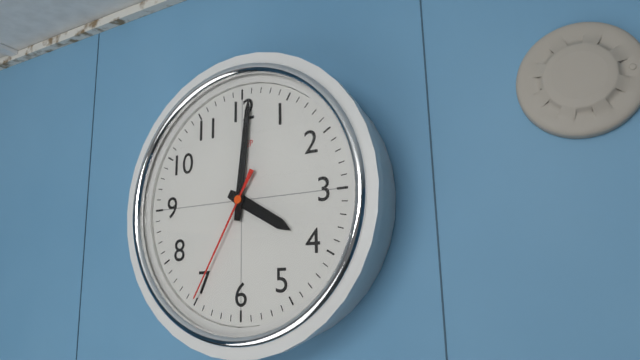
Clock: 4:01:35
